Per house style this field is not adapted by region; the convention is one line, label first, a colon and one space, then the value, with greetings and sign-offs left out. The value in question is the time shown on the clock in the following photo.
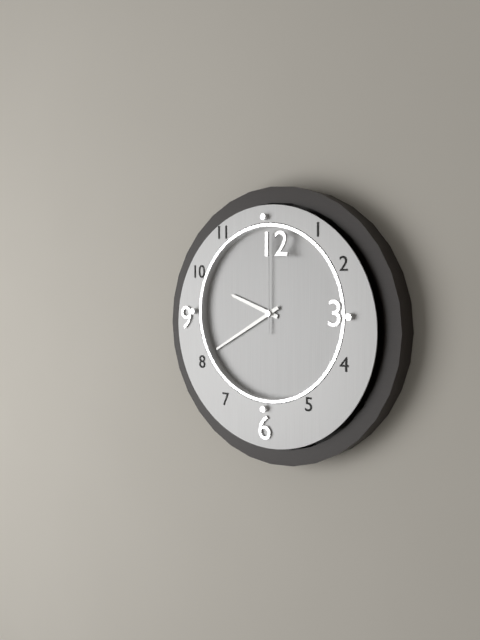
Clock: 9:40:00
